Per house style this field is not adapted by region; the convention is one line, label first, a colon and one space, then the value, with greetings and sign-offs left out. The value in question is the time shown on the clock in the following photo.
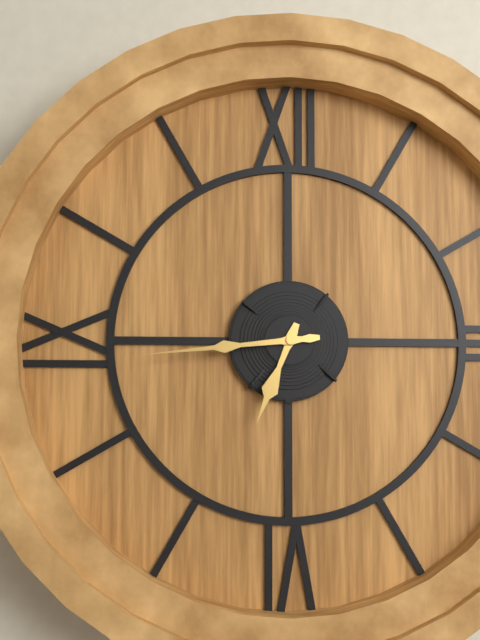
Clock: 6:44
